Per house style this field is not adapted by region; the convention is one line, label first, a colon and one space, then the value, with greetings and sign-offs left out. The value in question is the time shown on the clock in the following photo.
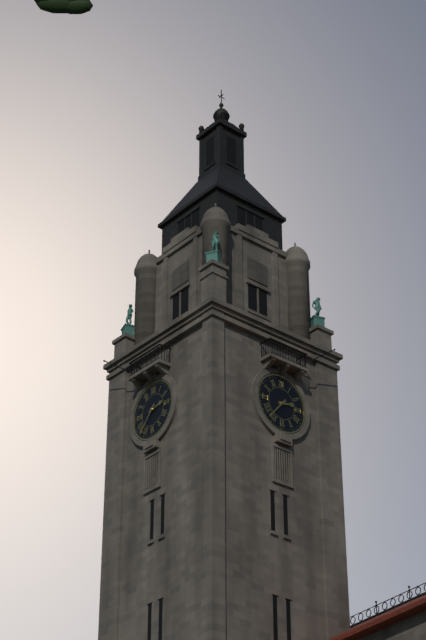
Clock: 2:37
